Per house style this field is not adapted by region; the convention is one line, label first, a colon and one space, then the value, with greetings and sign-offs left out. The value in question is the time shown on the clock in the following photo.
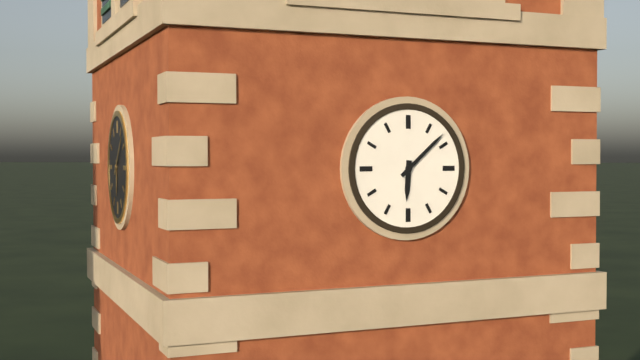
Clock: 6:08
